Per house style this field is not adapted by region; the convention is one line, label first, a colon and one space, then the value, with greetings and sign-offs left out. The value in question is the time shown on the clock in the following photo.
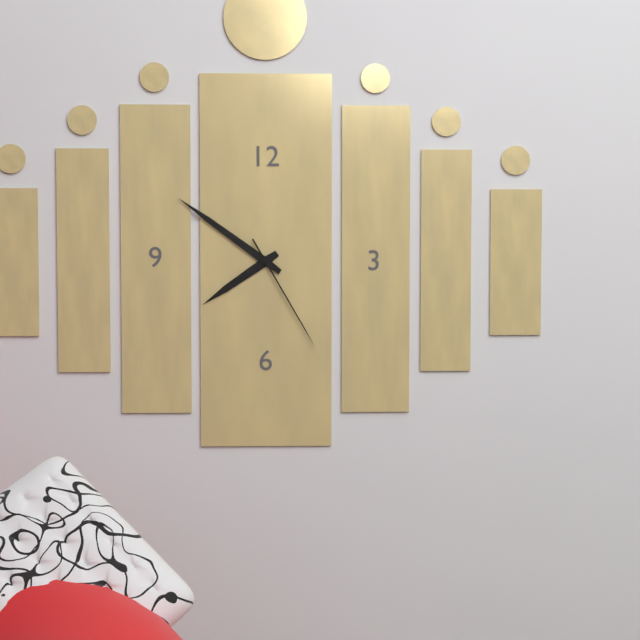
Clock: 7:51:25
